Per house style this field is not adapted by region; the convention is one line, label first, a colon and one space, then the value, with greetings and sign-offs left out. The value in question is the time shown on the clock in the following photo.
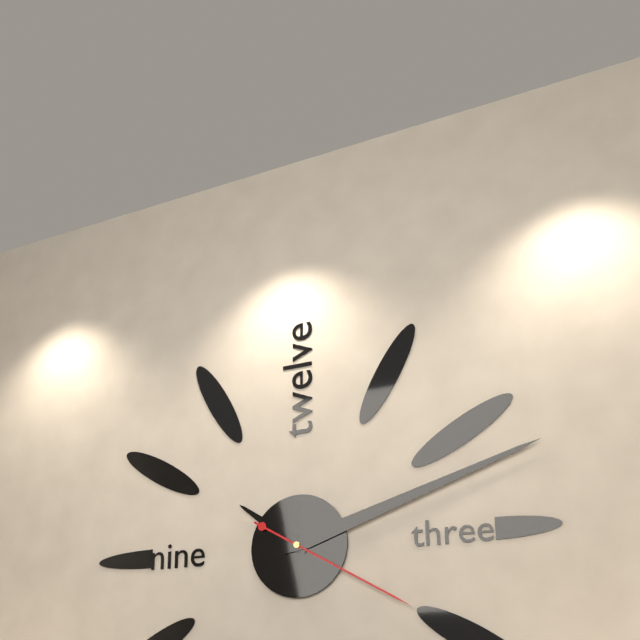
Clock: 10:12:20
